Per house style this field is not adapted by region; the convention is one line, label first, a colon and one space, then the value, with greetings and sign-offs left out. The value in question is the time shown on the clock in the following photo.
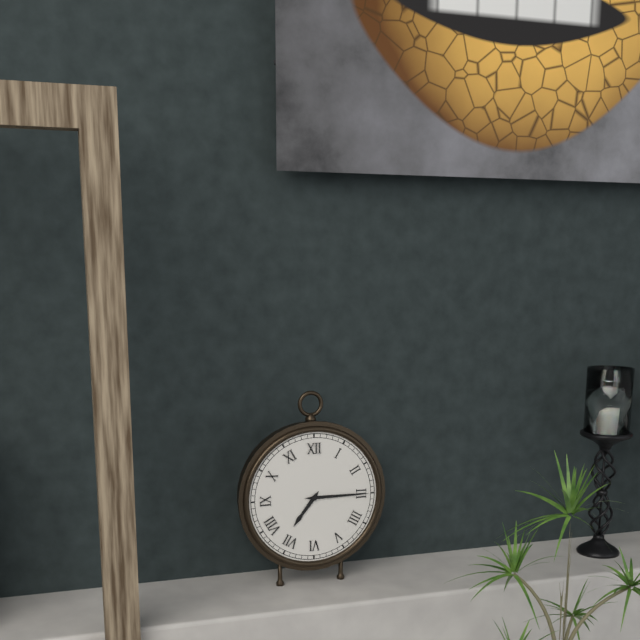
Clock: 7:15
